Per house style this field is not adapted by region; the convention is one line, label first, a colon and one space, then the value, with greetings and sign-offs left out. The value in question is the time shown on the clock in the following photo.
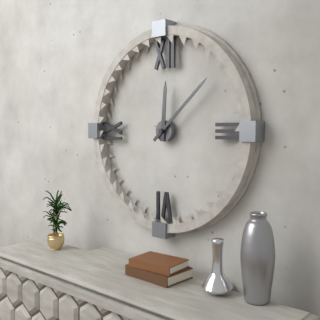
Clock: 12:08
